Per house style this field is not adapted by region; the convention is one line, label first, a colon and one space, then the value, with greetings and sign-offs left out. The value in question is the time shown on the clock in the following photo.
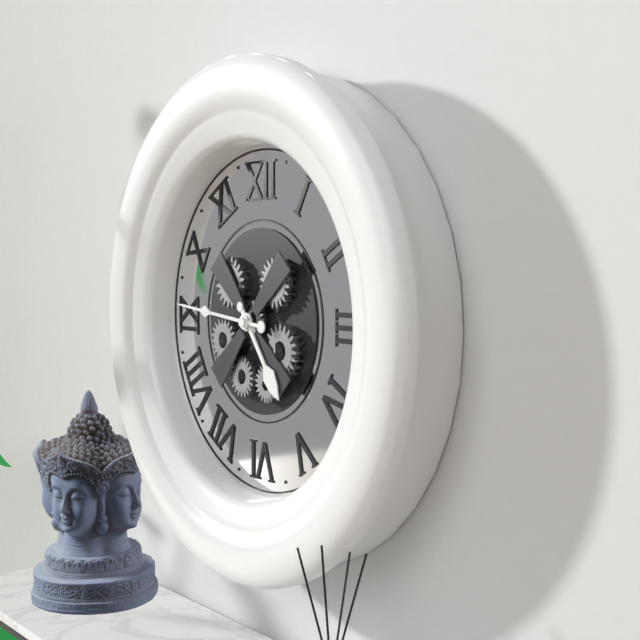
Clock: 4:46
